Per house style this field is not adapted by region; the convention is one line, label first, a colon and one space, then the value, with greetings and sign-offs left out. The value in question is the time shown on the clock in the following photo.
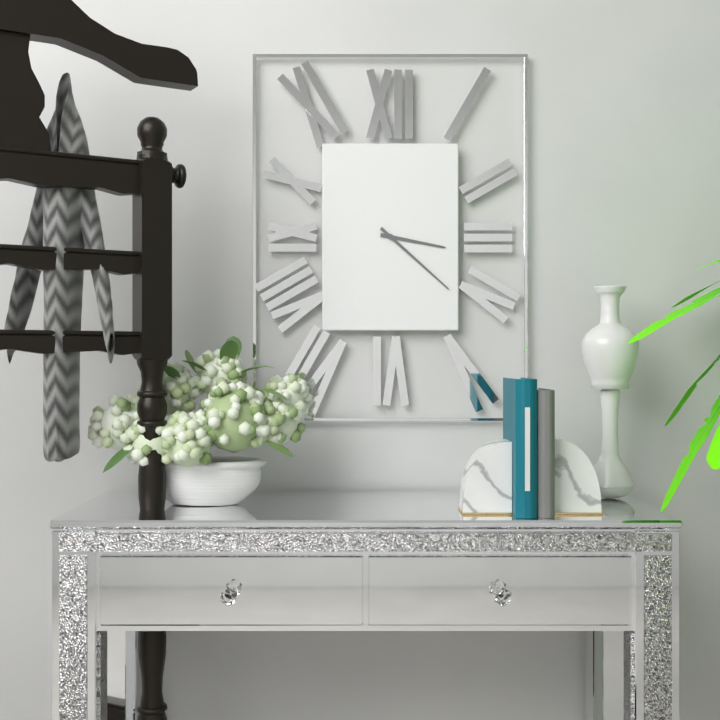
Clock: 3:22
